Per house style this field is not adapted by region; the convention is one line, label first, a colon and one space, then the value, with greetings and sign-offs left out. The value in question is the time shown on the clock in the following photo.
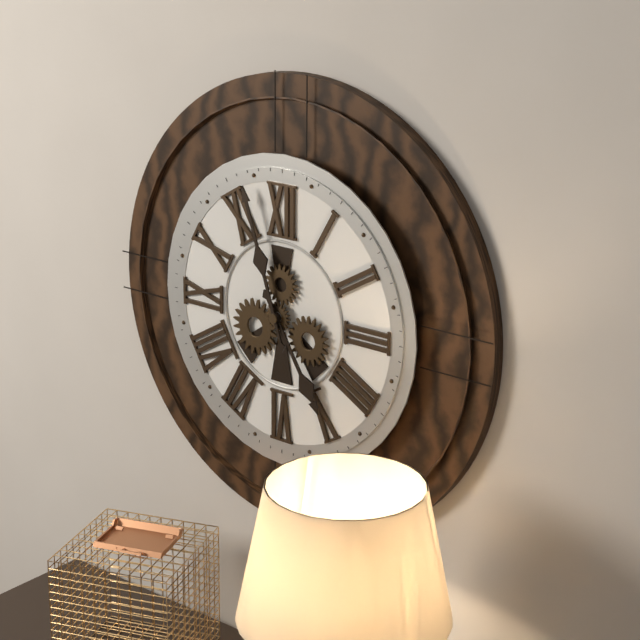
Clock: 4:57
